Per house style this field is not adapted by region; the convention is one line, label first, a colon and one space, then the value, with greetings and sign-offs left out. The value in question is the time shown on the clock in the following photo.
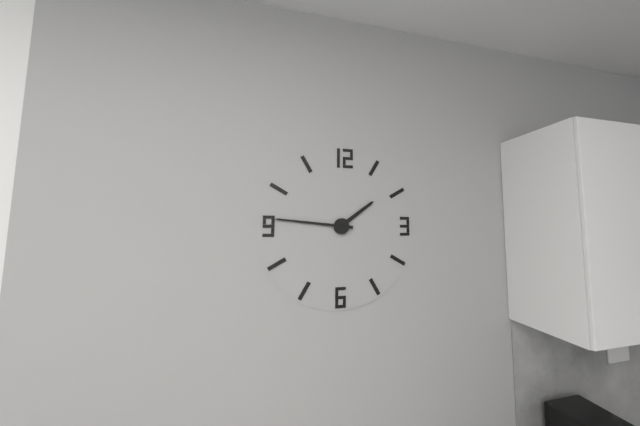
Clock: 1:46
